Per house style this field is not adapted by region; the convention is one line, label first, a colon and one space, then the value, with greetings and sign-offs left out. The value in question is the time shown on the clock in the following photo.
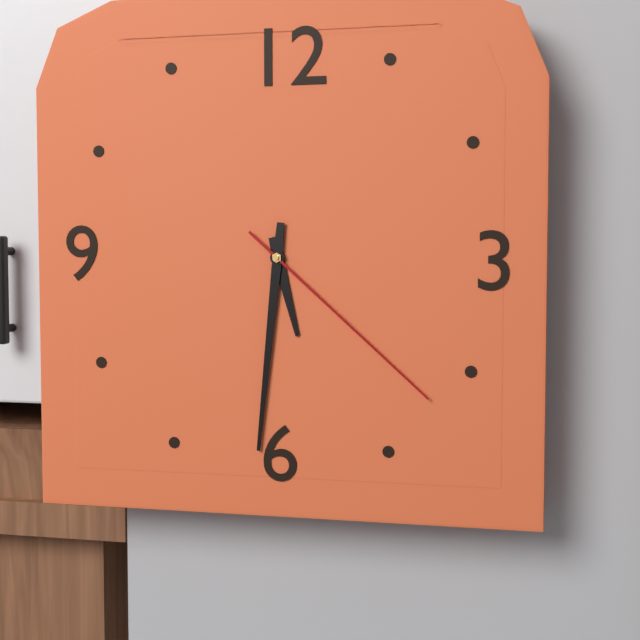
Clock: 5:31:22
